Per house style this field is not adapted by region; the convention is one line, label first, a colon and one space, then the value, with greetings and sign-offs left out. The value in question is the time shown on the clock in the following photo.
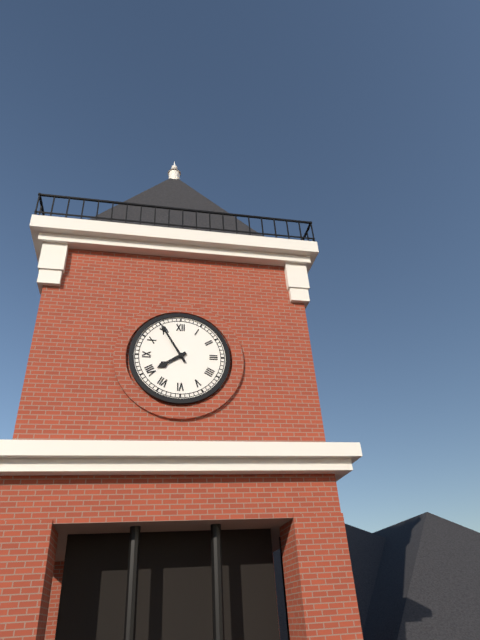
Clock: 7:55
